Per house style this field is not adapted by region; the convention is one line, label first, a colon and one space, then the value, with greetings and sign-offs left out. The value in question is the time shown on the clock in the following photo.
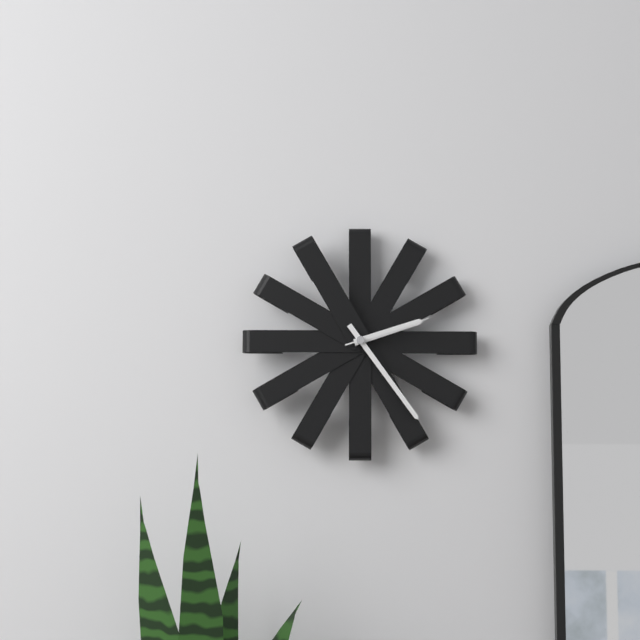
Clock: 2:24:12
